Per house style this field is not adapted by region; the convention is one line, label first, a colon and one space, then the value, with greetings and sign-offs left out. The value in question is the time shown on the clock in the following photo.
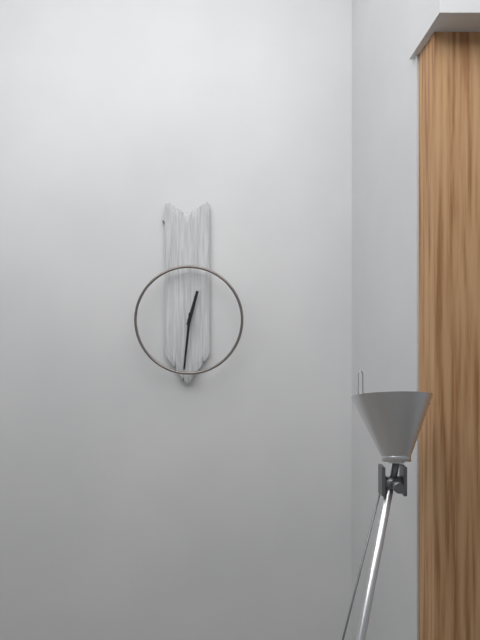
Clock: 12:31
